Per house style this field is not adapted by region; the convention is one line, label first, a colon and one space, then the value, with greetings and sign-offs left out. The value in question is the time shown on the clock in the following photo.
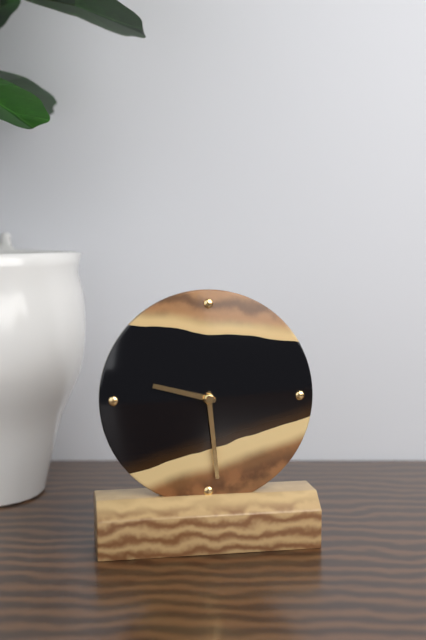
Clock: 9:29
